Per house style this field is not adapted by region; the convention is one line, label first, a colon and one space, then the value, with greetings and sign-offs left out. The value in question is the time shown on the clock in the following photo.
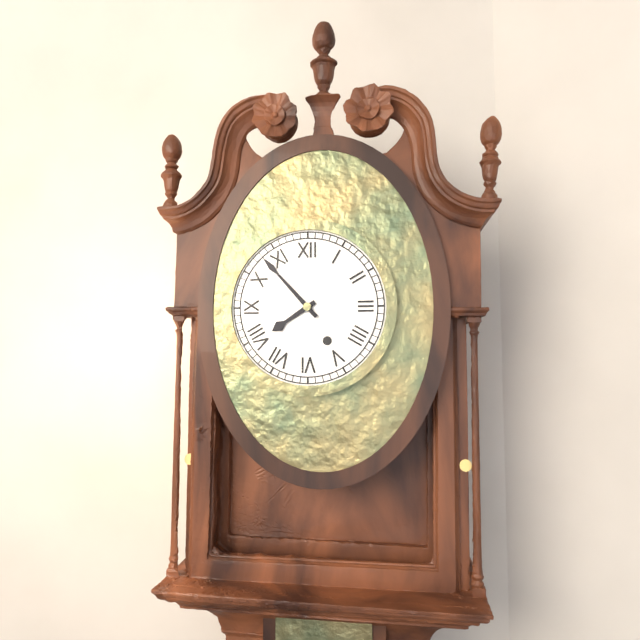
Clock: 7:53
